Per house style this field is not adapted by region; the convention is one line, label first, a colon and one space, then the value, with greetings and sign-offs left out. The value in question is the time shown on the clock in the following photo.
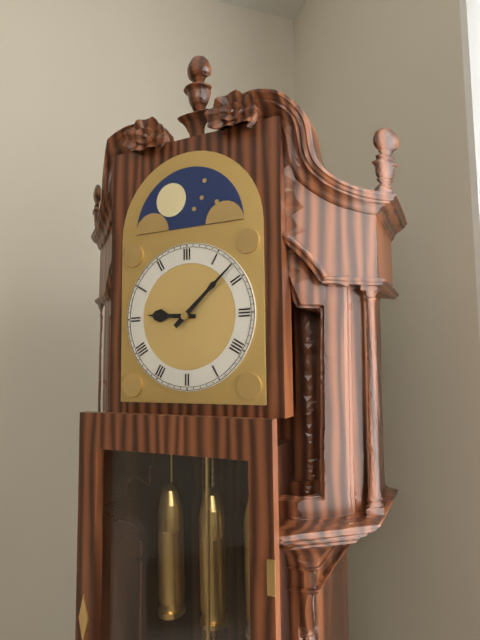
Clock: 9:08
